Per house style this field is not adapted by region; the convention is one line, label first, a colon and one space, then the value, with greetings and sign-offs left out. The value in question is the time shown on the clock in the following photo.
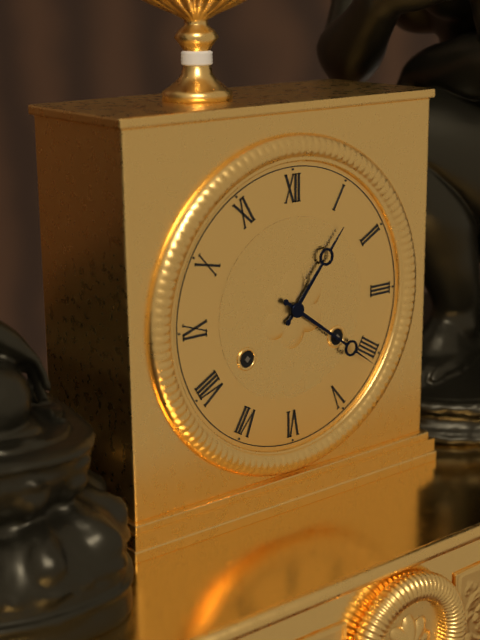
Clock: 1:21
